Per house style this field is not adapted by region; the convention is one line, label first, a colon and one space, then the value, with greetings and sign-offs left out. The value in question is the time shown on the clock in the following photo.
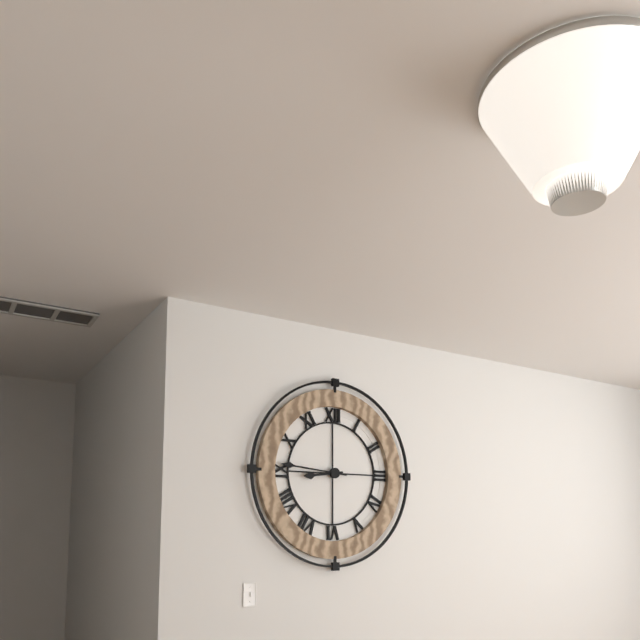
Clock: 8:46
